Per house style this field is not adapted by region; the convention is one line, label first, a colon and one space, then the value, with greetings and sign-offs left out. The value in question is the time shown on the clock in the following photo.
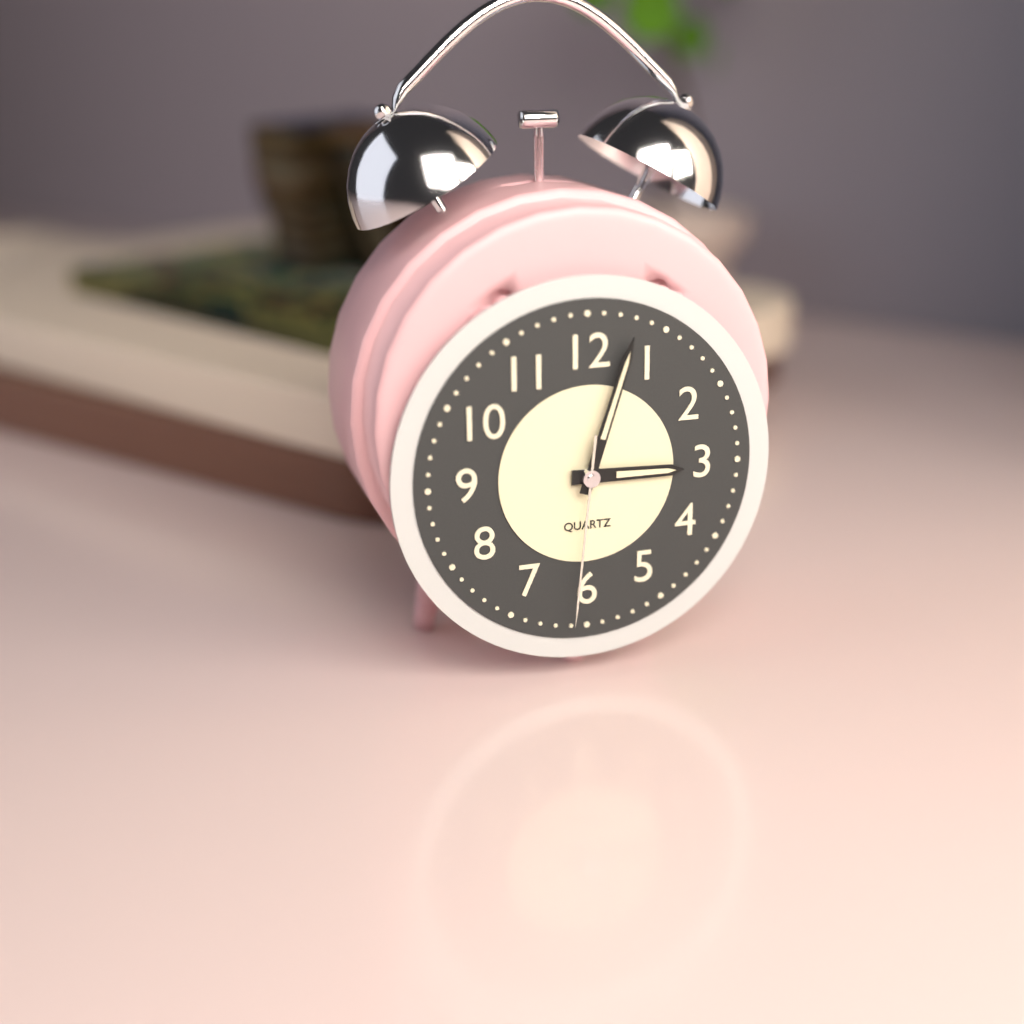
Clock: 3:03:31
